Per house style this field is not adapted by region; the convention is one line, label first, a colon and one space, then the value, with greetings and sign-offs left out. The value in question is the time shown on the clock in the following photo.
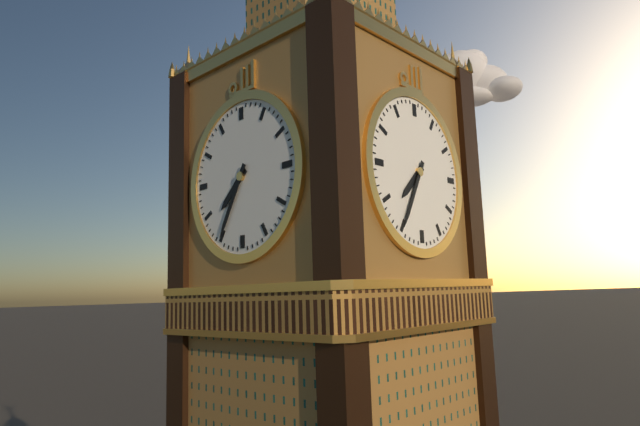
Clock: 7:35
